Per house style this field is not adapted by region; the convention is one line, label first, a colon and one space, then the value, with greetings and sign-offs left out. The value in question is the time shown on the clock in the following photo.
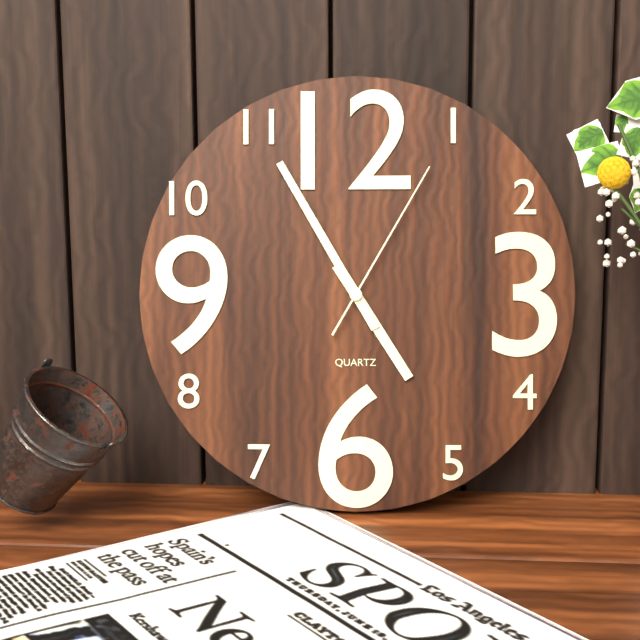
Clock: 4:55:05
